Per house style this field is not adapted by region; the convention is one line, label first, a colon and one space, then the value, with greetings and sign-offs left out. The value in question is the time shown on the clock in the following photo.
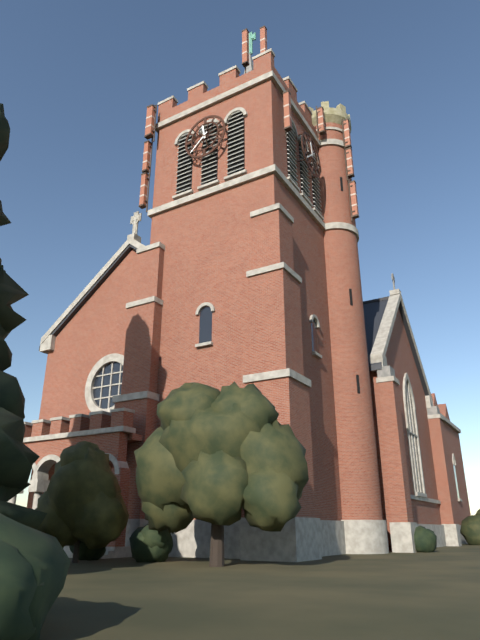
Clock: 11:38
